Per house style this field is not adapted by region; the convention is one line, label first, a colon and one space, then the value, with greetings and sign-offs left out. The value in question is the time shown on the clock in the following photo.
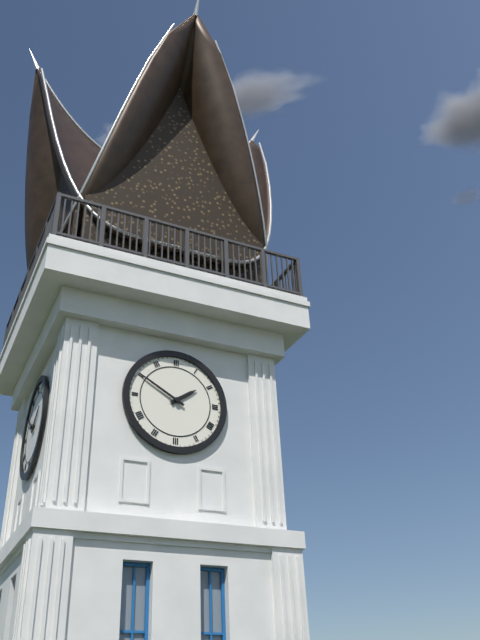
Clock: 1:50
